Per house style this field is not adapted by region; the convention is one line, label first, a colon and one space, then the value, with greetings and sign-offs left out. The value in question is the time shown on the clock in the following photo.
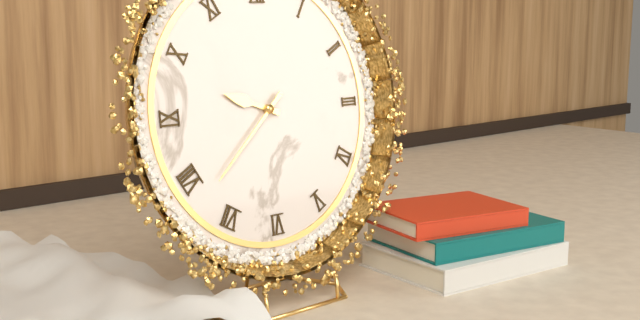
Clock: 9:38
